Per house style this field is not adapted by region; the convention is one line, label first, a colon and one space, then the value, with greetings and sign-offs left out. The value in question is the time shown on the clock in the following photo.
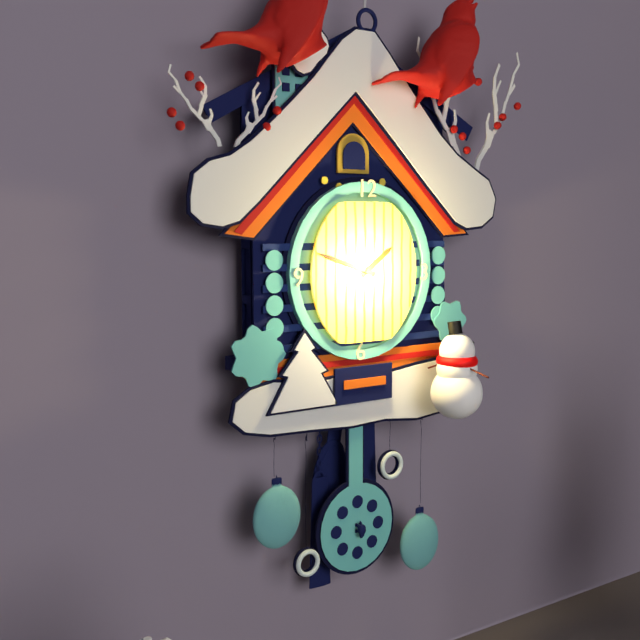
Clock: 1:48
